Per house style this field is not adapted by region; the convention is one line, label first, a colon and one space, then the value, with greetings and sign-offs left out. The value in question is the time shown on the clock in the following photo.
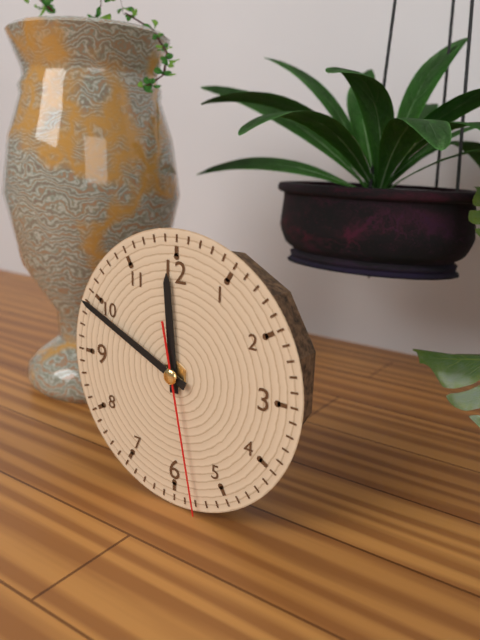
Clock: 11:49:28
